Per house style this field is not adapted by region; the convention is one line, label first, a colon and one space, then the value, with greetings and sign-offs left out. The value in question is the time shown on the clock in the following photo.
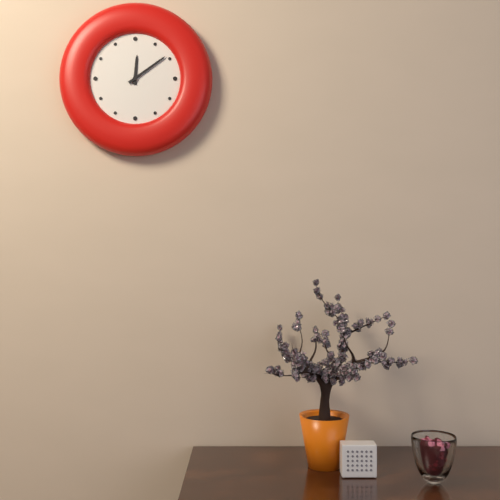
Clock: 12:09
